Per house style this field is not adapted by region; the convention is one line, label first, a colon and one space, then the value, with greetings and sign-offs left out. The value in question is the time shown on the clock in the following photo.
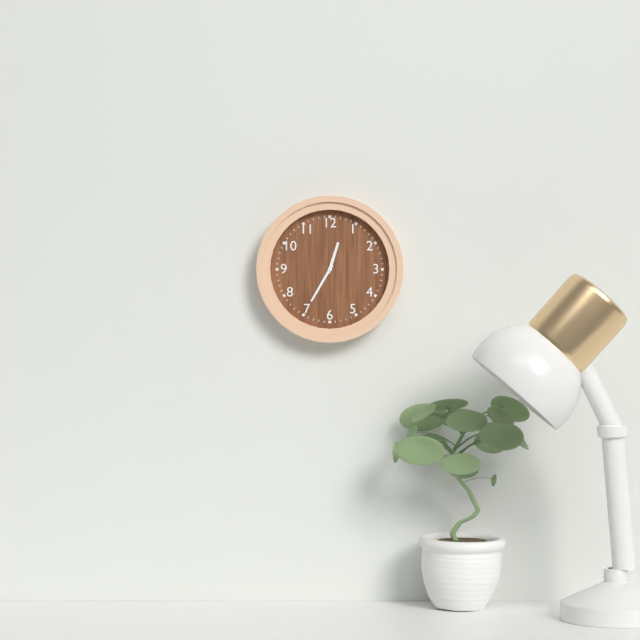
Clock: 12:35
